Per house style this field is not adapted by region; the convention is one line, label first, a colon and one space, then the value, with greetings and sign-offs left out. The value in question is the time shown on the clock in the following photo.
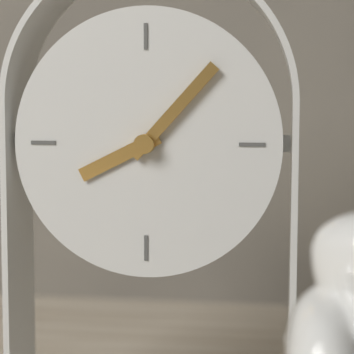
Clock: 8:07
